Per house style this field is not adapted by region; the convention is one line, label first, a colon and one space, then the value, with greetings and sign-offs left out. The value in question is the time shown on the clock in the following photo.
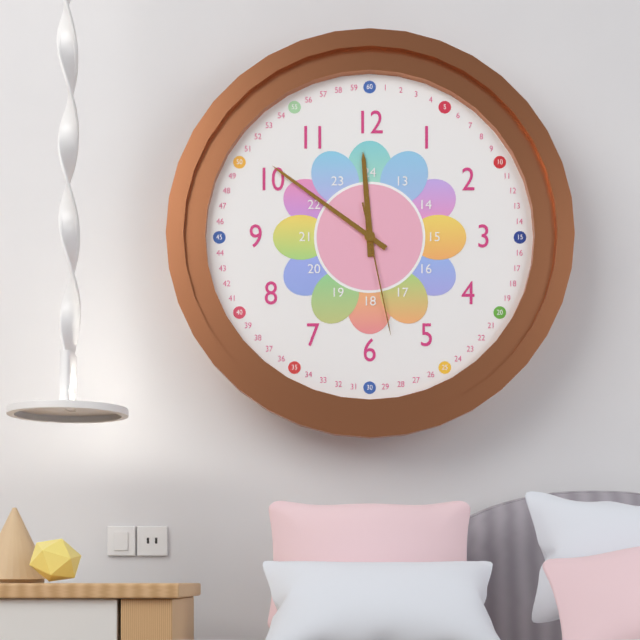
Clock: 11:51:28
